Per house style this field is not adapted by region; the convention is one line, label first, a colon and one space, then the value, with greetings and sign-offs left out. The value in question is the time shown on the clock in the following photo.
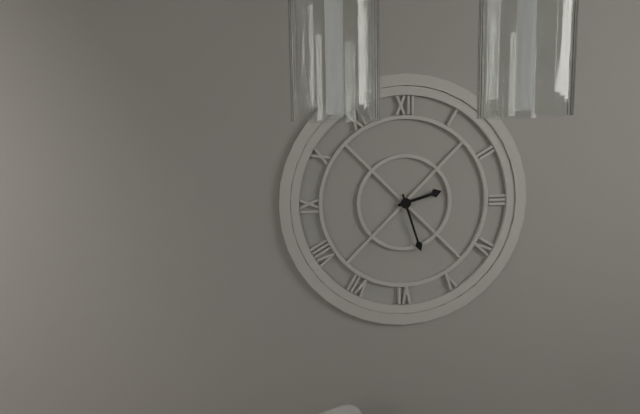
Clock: 2:27
